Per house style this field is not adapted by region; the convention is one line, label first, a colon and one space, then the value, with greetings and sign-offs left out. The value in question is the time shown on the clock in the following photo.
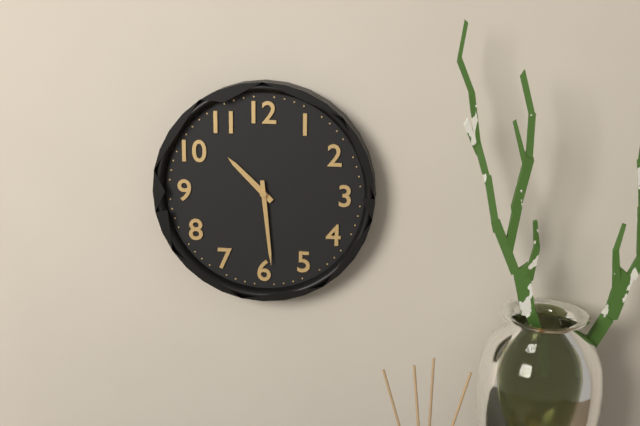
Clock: 10:29
